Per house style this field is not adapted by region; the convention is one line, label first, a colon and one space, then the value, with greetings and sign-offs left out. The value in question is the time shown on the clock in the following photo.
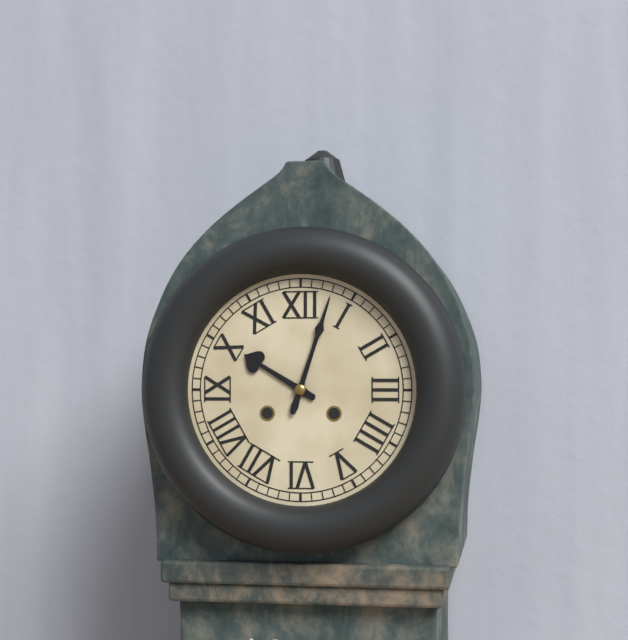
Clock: 10:03
